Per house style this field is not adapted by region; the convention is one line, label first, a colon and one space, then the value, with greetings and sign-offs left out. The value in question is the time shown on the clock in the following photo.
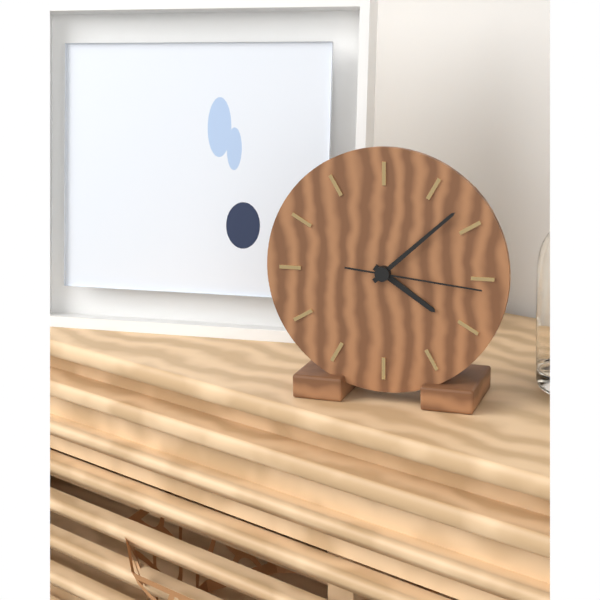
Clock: 4:08:16
